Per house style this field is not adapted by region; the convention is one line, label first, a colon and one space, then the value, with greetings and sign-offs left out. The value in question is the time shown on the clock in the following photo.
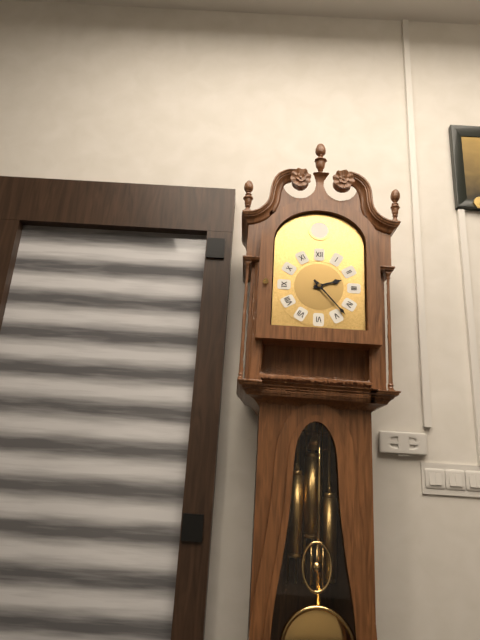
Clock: 2:23
